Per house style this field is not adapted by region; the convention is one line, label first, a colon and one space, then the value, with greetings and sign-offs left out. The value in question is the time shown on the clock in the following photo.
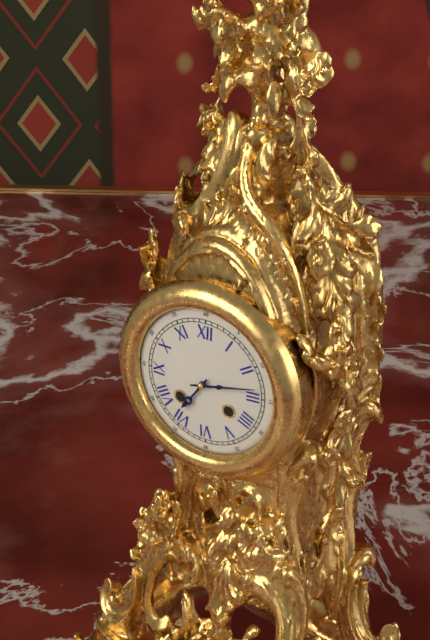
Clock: 7:13
